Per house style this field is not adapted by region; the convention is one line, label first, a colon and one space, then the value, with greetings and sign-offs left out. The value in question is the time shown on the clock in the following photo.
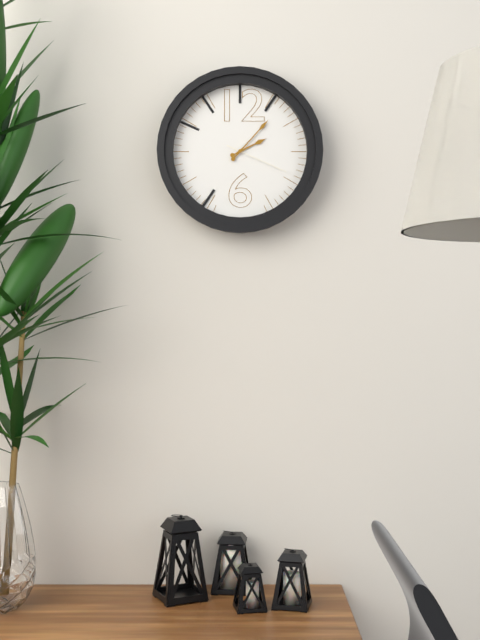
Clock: 2:07:19
